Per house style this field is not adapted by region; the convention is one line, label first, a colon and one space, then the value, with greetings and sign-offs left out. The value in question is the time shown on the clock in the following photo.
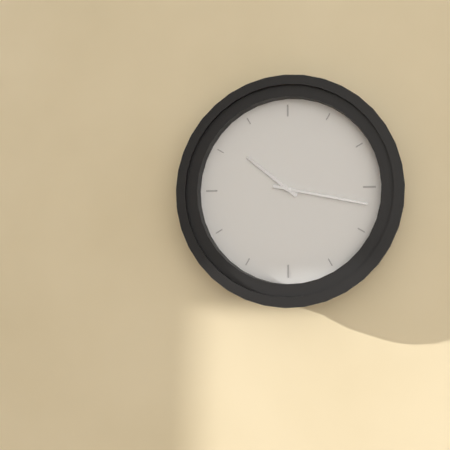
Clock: 10:17
